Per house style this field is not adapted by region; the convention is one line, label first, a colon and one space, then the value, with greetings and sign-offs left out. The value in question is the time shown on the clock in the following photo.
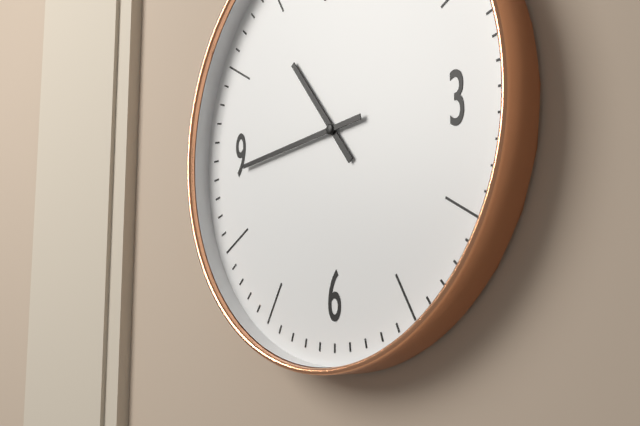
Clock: 10:44
